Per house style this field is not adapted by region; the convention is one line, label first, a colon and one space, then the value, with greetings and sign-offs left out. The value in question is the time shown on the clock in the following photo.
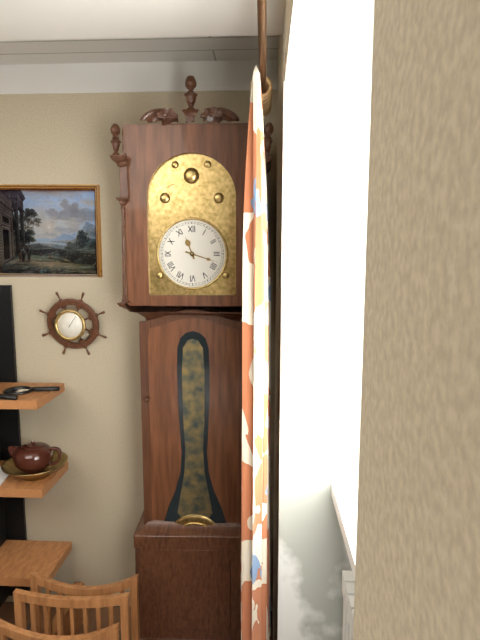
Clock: 11:18
